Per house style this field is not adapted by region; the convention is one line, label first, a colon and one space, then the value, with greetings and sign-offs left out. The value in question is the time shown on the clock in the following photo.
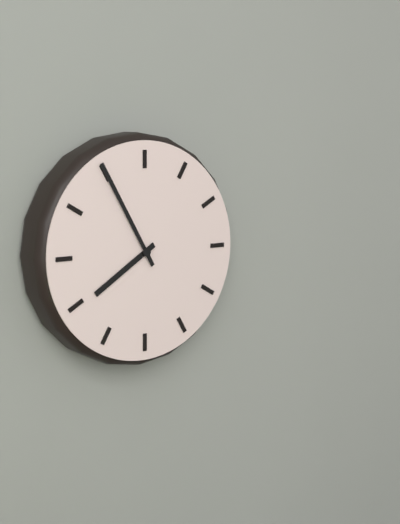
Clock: 7:55
